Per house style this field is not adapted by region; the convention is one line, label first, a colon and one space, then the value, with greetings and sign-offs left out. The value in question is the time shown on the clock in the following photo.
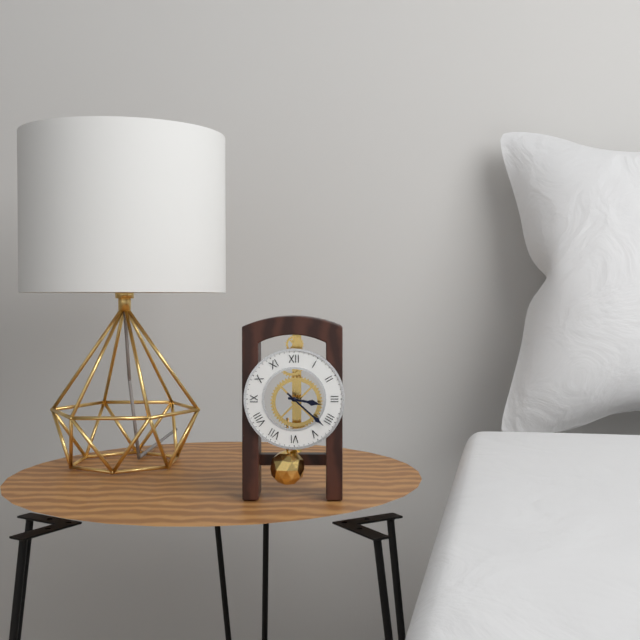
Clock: 3:22
